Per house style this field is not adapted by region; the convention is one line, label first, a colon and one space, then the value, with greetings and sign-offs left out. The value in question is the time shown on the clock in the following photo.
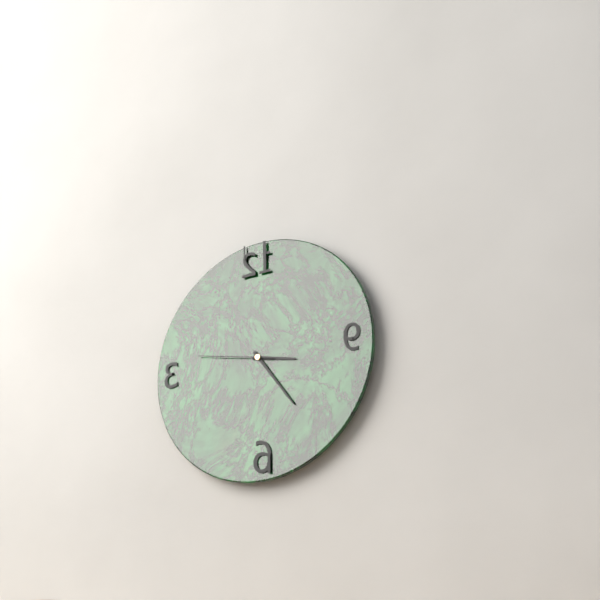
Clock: 3:24:47
